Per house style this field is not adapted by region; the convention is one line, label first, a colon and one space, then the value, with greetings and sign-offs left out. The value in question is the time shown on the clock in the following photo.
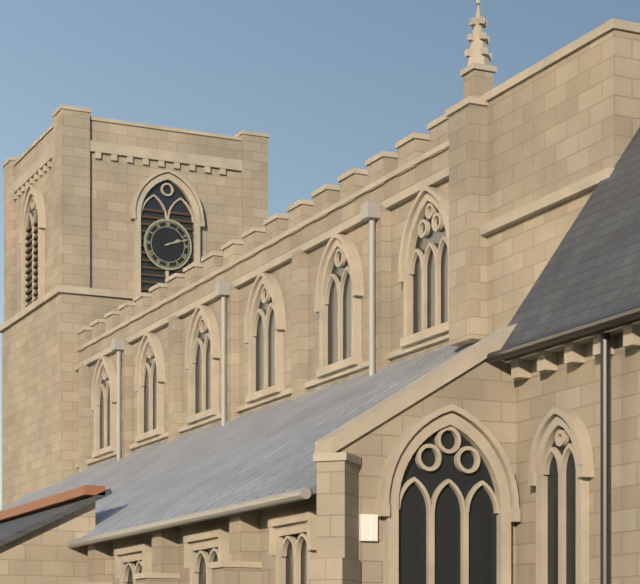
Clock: 2:12
